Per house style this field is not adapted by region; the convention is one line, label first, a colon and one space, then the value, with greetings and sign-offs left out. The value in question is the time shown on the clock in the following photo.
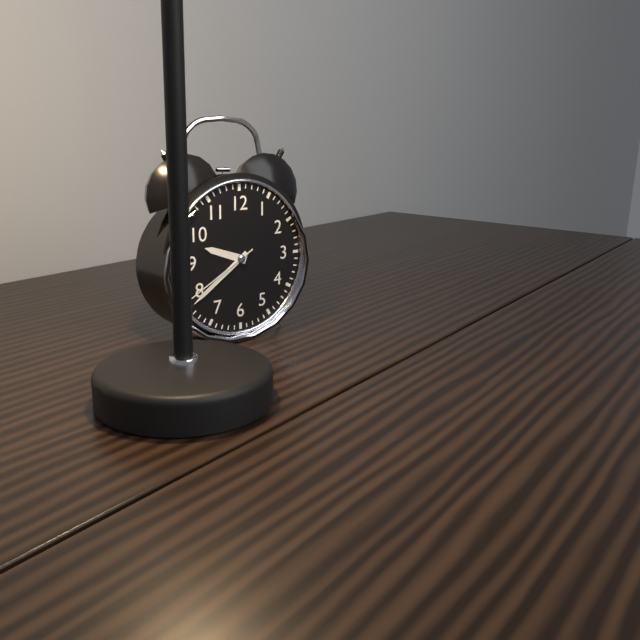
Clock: 9:39:40
